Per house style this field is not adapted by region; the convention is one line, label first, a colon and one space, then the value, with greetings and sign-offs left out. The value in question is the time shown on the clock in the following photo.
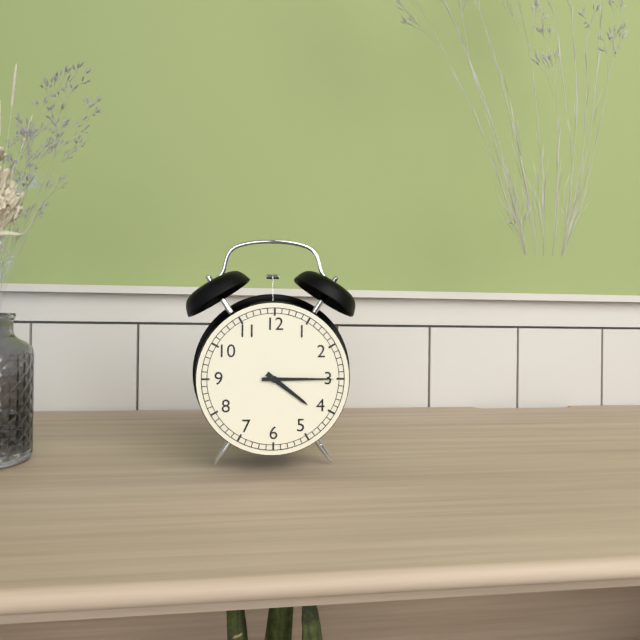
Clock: 4:15
